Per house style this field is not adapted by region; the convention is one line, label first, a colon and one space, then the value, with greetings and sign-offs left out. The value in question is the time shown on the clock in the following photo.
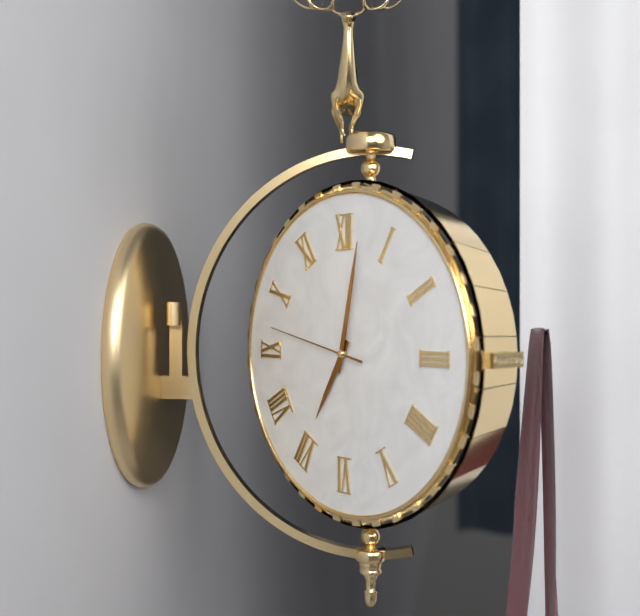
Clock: 7:02:47
